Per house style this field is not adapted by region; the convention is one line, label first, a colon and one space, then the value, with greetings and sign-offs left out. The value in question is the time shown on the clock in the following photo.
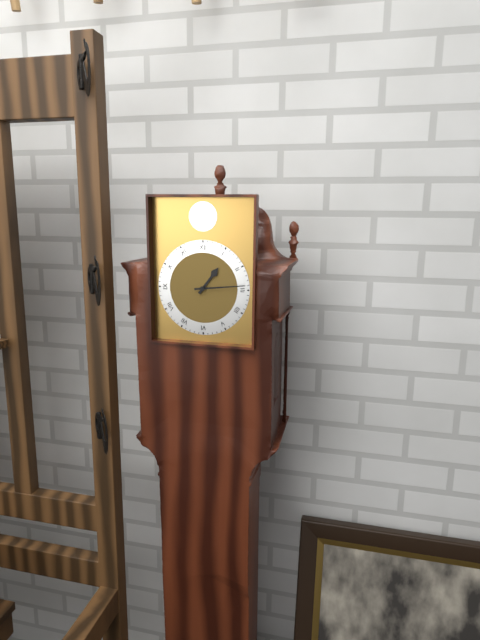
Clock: 1:14
